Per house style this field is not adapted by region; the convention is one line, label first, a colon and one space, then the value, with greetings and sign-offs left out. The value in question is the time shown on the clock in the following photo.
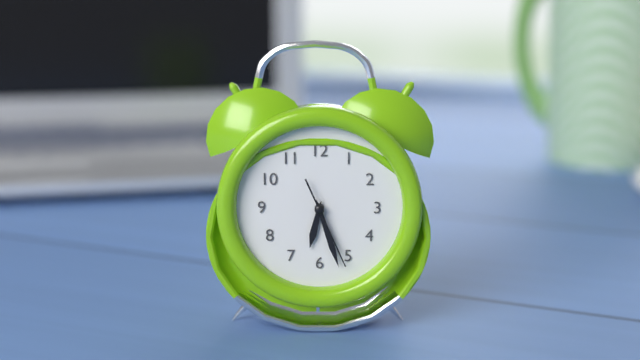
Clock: 6:27:26
